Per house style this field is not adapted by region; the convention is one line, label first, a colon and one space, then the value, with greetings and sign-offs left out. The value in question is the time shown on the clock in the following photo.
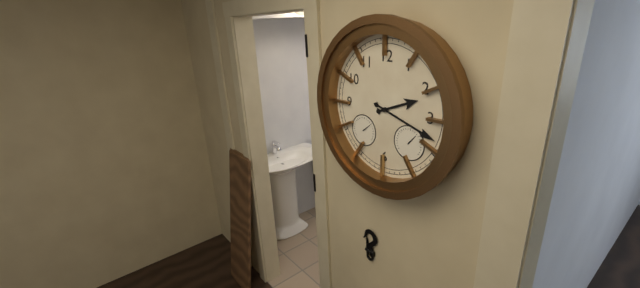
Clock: 2:18
